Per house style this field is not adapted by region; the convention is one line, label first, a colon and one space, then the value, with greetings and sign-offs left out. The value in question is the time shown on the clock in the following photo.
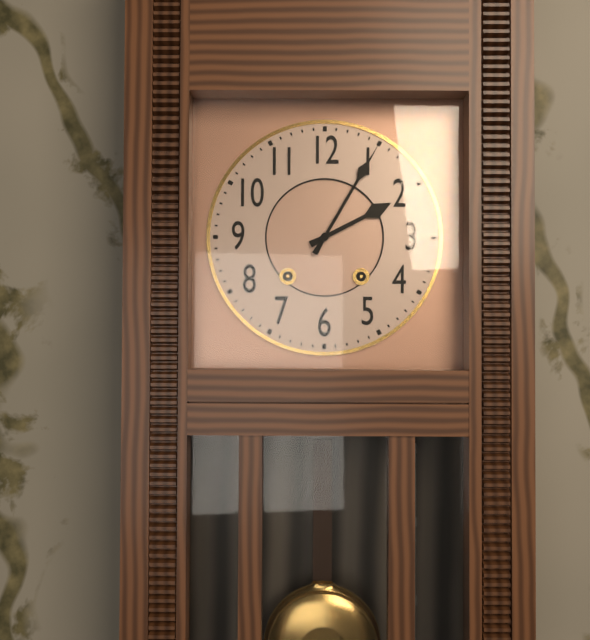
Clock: 2:05
